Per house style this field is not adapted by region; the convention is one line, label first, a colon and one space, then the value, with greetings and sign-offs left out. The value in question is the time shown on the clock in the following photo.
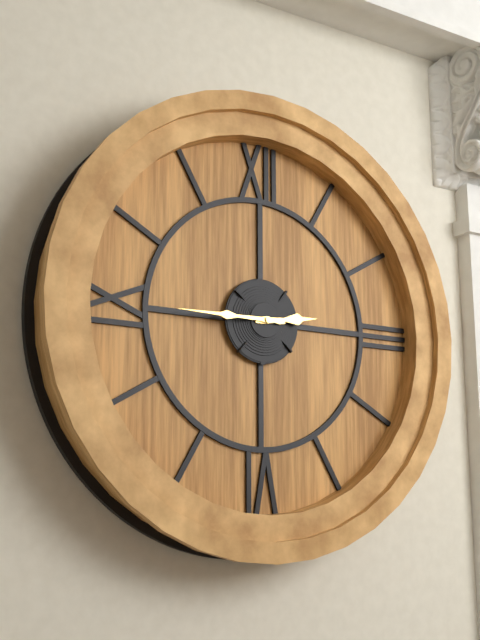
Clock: 2:45
